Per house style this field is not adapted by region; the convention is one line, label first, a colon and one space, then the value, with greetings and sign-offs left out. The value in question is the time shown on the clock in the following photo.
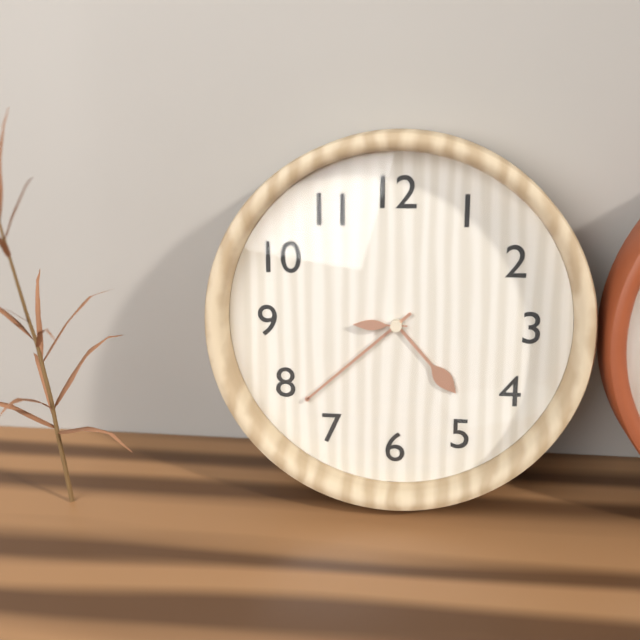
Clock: 4:38:45
